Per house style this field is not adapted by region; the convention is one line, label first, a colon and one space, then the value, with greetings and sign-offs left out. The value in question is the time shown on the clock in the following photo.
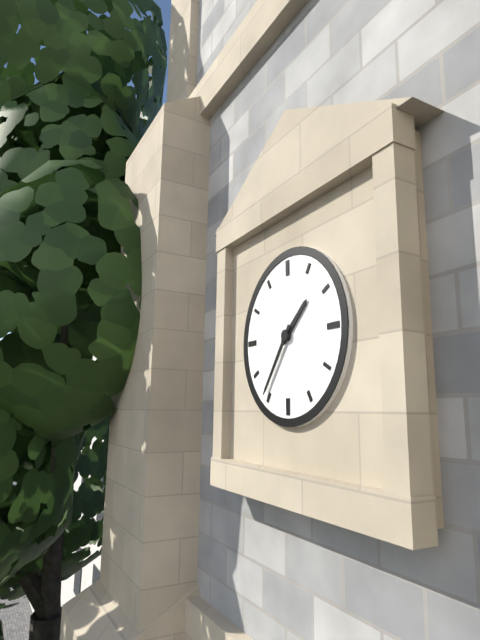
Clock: 1:36
